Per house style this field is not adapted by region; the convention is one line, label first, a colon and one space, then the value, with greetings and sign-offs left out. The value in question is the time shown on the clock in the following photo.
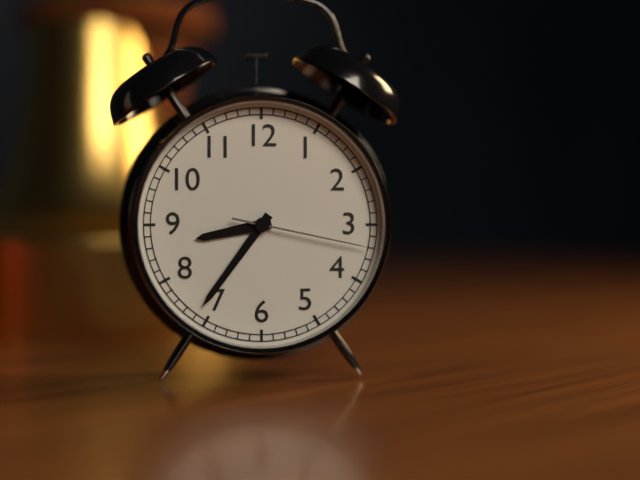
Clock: 8:36:17
